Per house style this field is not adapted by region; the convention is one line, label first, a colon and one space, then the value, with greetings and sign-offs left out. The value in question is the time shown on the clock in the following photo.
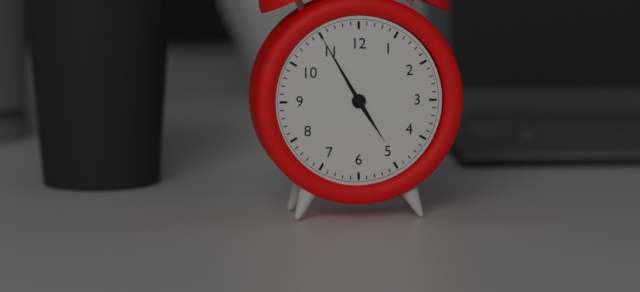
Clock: 4:55
